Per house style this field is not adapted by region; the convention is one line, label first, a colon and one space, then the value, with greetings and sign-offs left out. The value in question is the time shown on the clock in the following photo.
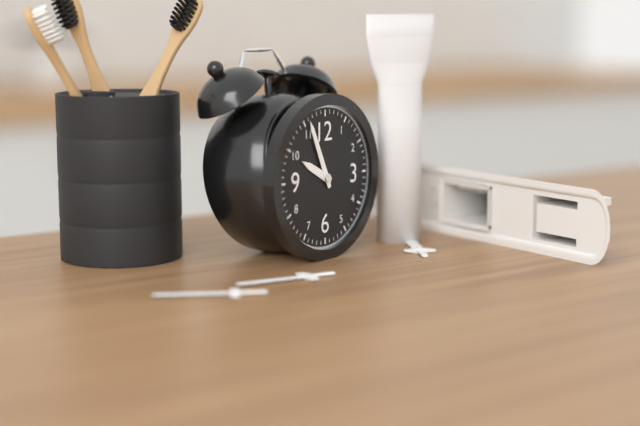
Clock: 9:56
